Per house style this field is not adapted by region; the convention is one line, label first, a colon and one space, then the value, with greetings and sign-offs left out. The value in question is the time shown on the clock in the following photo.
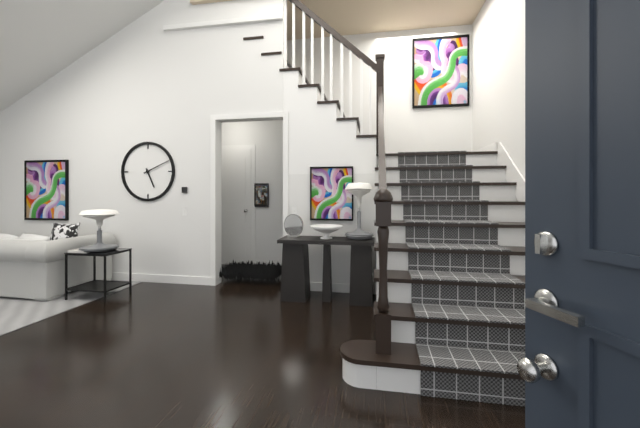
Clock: 5:11
